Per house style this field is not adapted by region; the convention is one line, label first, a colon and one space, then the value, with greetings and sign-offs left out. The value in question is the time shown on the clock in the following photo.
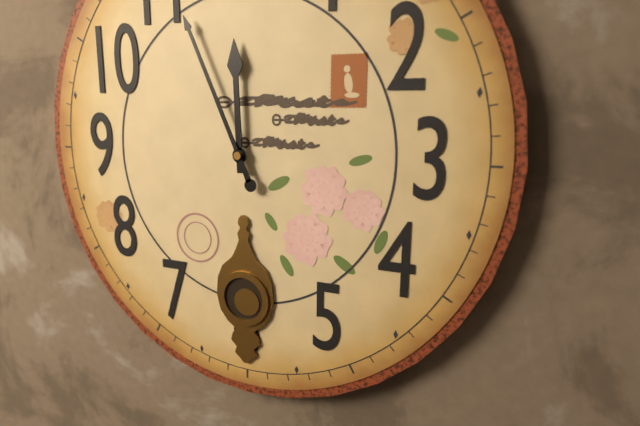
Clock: 11:56
